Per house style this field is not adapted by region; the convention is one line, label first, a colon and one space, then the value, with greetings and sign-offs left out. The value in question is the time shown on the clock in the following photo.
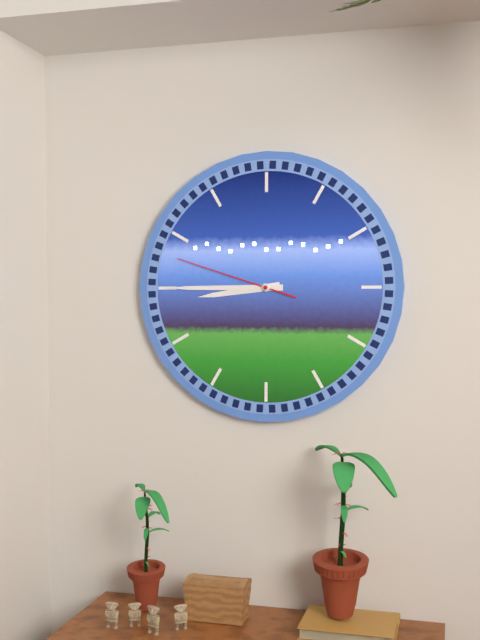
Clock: 8:45:48
